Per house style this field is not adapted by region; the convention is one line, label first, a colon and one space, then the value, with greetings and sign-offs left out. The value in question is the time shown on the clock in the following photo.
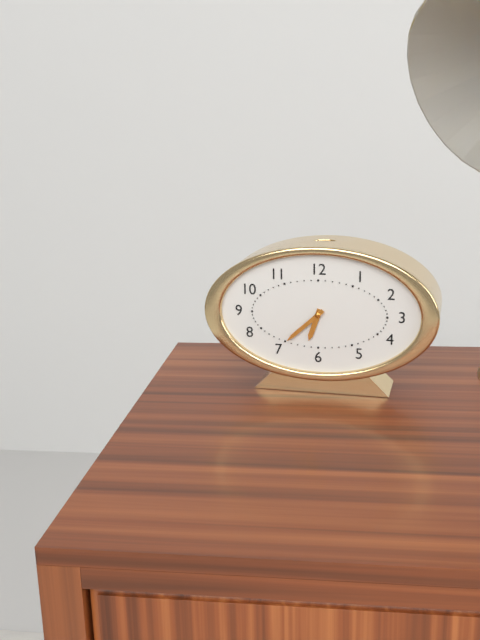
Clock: 6:38
